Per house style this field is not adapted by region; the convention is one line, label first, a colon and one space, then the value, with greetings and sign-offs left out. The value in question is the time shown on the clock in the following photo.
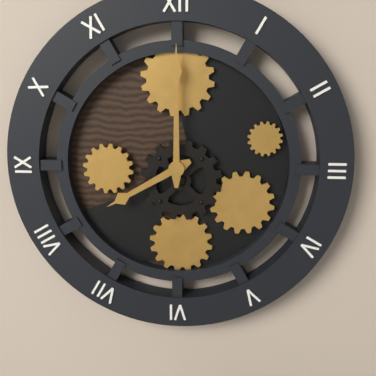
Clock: 8:00
